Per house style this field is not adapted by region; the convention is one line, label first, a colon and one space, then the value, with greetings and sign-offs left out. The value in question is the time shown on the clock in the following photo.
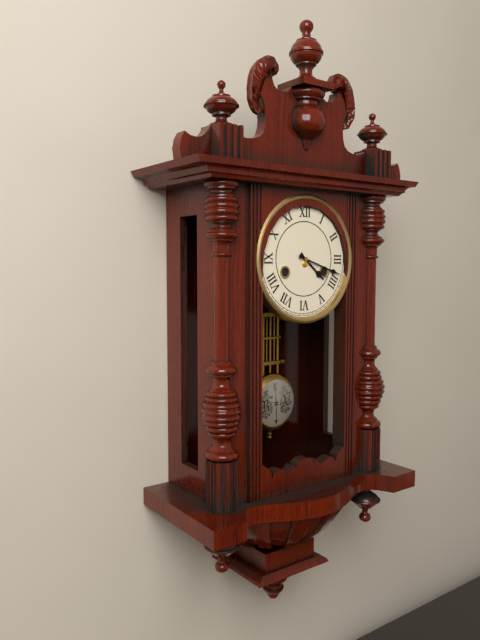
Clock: 4:18
